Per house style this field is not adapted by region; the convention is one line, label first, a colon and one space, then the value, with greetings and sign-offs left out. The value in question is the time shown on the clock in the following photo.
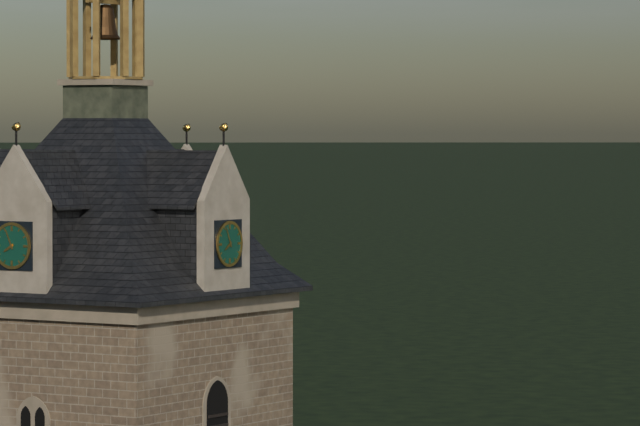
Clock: 7:56
